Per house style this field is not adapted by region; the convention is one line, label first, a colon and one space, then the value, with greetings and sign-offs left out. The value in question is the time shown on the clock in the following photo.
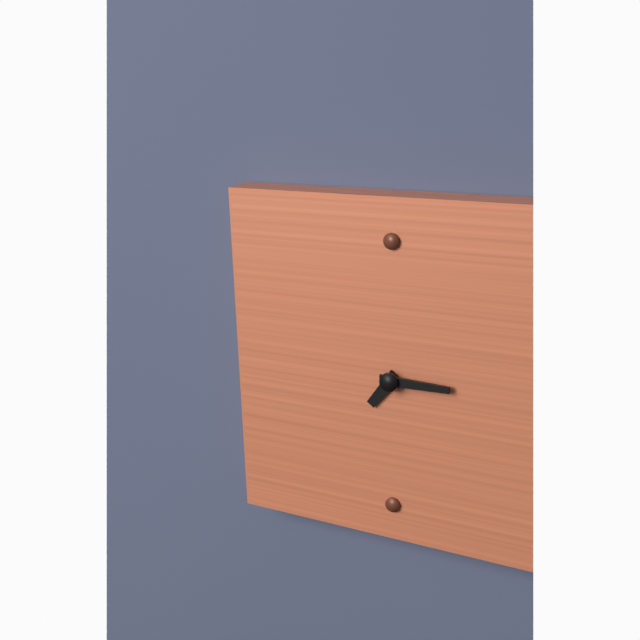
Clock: 7:15
